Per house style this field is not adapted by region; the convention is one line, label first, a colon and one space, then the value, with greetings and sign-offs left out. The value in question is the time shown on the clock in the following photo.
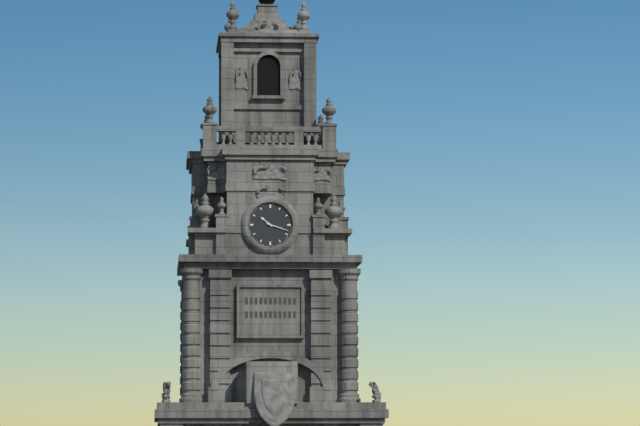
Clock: 10:18
